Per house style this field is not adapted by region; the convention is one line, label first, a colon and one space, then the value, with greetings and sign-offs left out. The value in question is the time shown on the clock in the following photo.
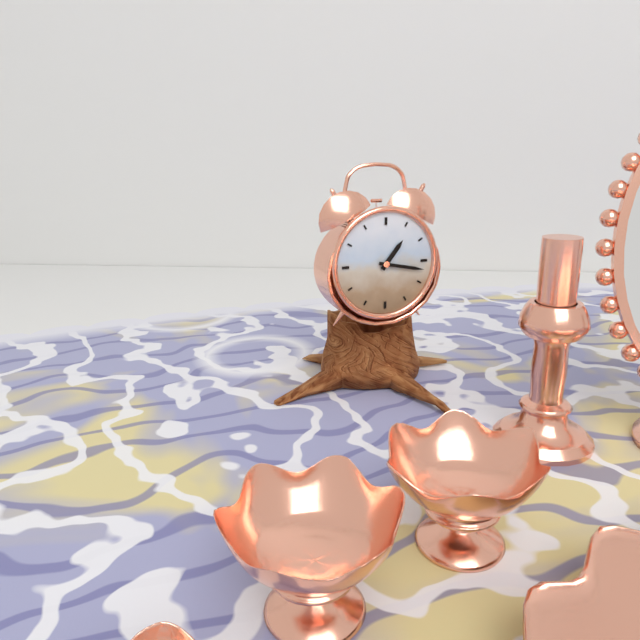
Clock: 1:17
